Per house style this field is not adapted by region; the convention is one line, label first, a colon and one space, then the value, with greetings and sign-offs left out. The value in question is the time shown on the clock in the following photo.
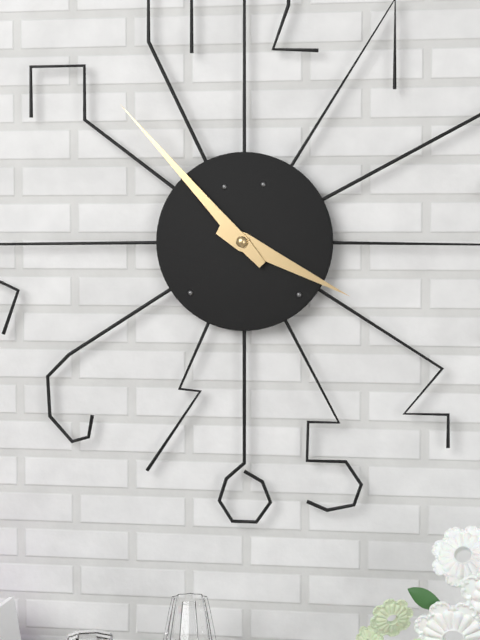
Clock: 3:53
